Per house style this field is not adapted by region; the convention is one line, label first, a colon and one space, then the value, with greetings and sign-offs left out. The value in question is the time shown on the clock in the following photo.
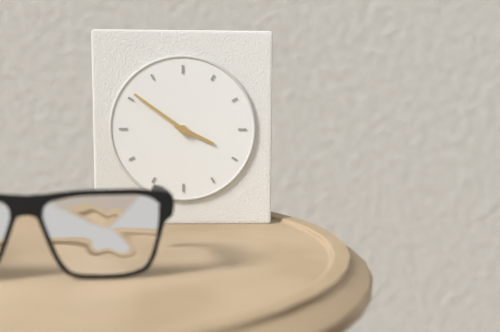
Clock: 3:51
